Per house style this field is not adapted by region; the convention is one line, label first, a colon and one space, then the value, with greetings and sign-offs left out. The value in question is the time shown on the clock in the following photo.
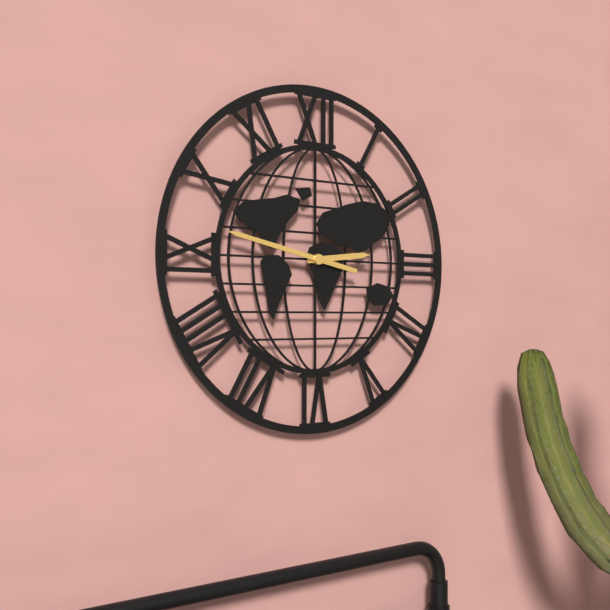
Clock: 2:47
